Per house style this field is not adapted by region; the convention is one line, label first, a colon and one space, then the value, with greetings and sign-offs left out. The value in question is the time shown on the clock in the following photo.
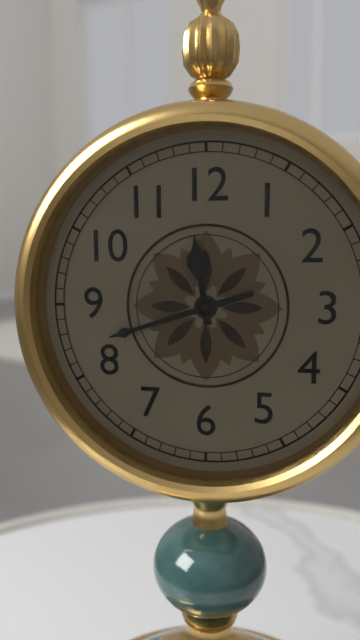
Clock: 11:42
